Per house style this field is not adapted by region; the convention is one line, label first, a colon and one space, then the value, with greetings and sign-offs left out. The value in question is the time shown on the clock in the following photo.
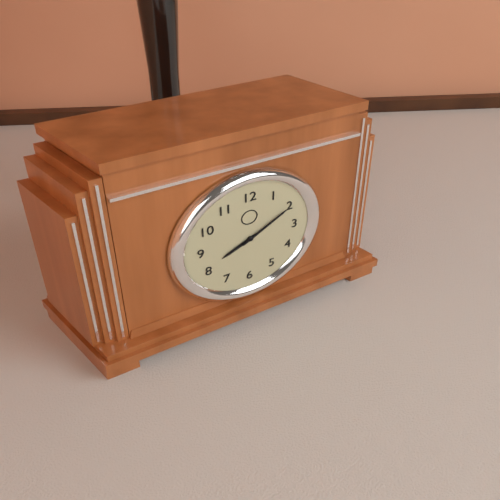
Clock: 8:10
